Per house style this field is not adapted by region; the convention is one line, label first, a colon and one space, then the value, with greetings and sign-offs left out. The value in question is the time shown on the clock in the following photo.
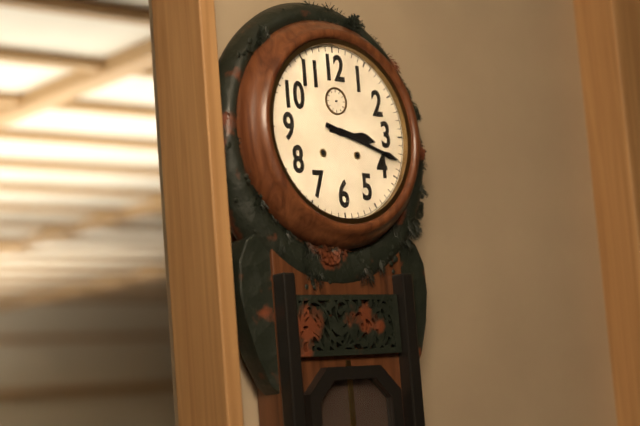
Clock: 3:18
